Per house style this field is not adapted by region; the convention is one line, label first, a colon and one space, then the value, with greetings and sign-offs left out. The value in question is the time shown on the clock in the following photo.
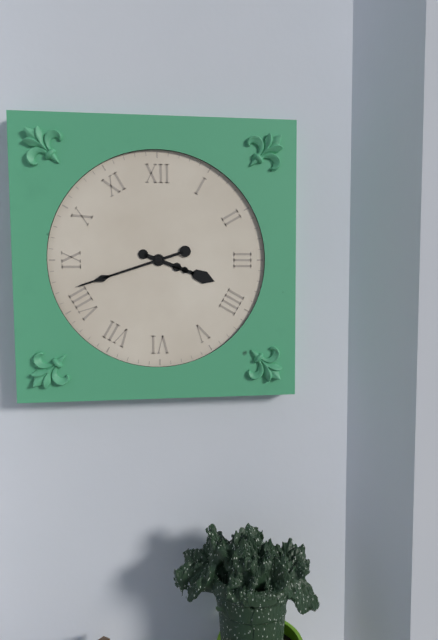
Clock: 3:42
